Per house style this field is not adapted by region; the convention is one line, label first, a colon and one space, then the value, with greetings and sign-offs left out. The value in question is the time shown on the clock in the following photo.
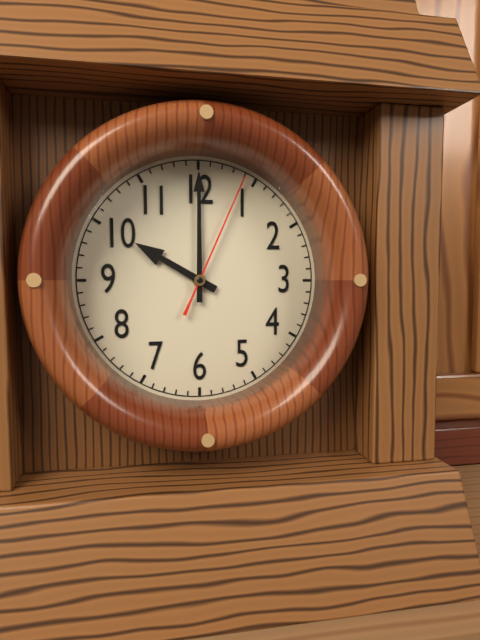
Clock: 10:00:04
